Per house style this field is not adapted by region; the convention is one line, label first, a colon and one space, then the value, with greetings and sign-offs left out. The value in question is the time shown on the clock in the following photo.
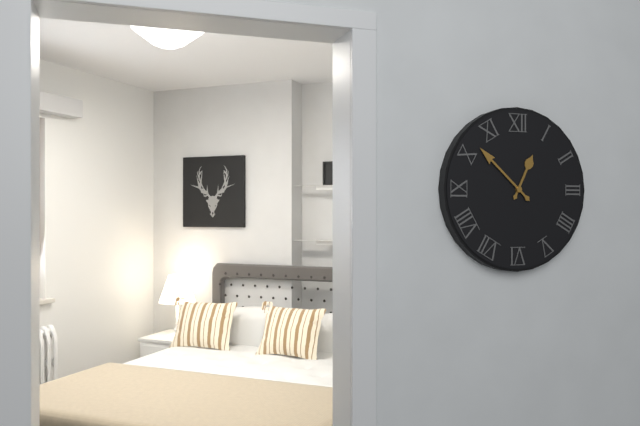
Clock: 12:52
